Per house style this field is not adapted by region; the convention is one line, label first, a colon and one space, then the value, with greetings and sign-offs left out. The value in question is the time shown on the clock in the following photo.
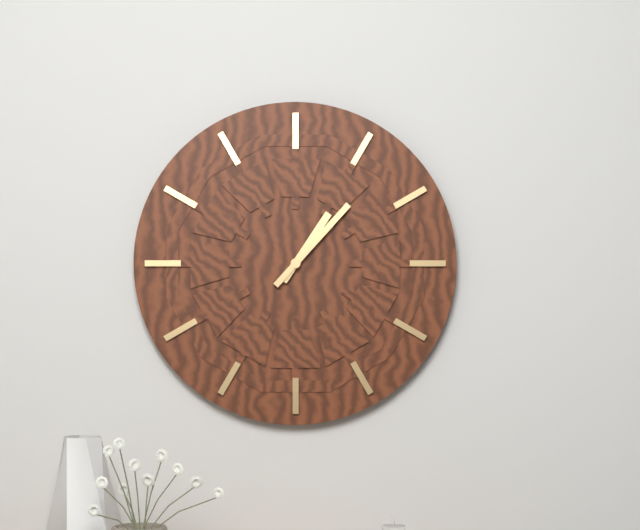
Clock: 1:07
